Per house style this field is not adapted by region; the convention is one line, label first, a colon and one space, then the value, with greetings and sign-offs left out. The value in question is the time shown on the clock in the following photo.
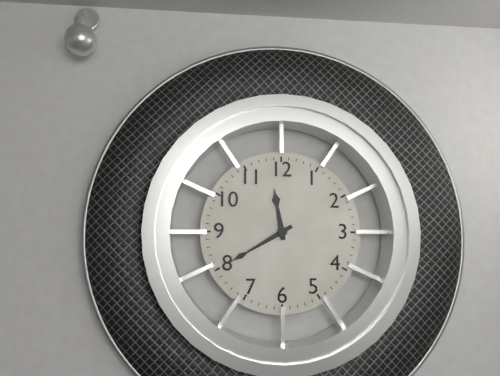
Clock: 11:40
